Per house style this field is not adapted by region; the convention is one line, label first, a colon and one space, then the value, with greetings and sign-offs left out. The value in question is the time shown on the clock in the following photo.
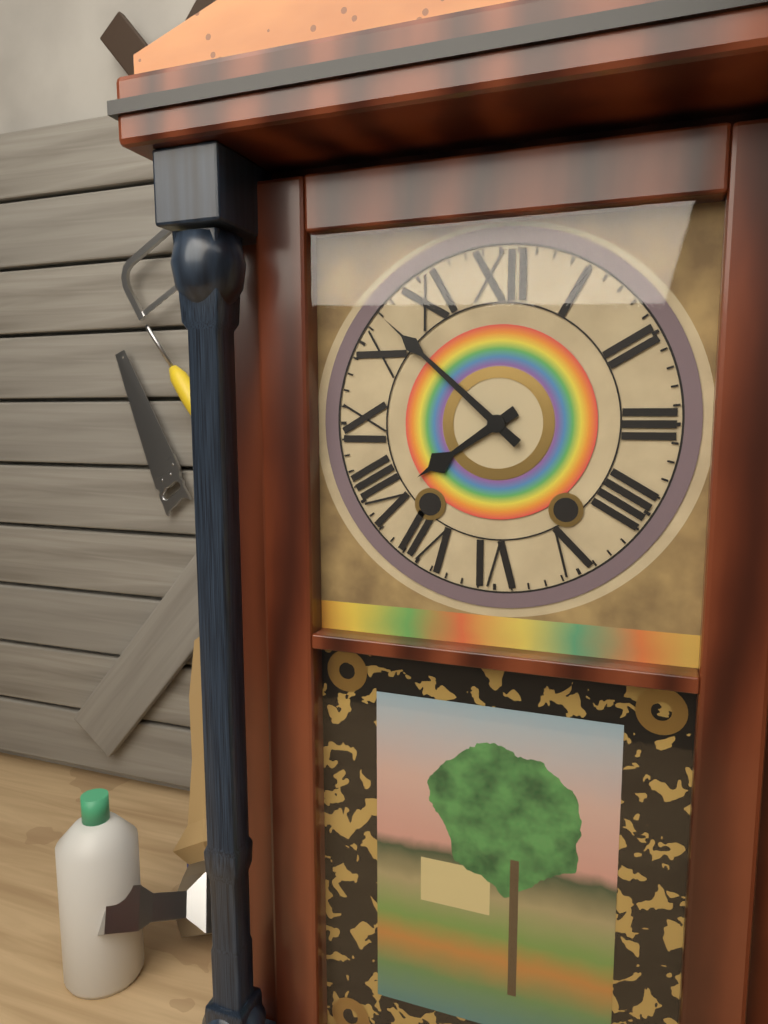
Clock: 7:52
